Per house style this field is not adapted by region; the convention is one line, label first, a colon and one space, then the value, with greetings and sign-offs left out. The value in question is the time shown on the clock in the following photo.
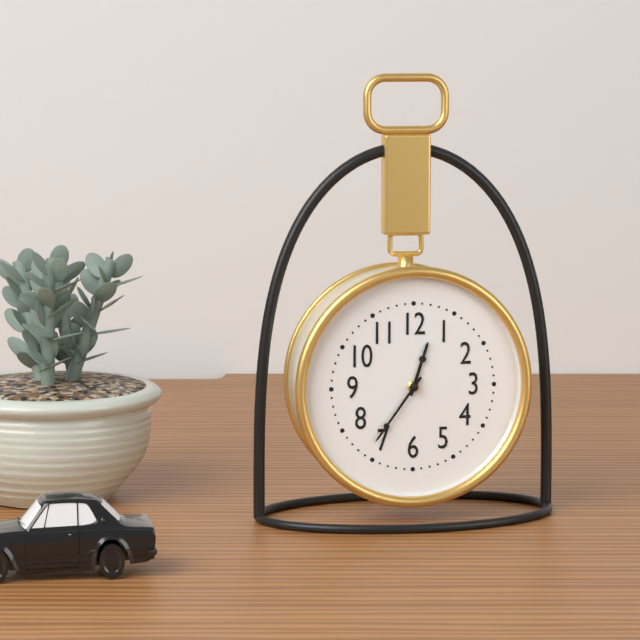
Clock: 12:36
